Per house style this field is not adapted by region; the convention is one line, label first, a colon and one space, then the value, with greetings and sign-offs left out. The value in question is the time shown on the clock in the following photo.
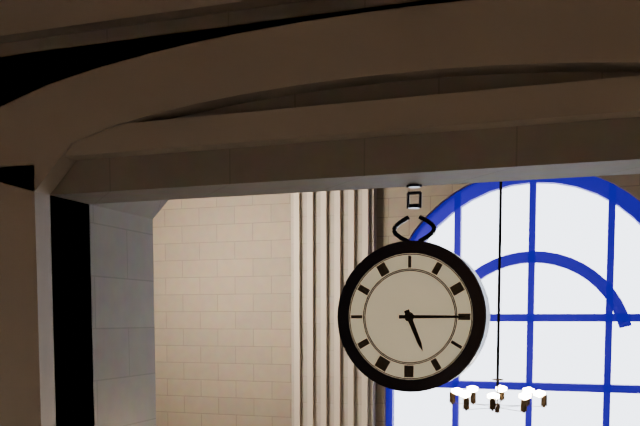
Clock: 5:15
